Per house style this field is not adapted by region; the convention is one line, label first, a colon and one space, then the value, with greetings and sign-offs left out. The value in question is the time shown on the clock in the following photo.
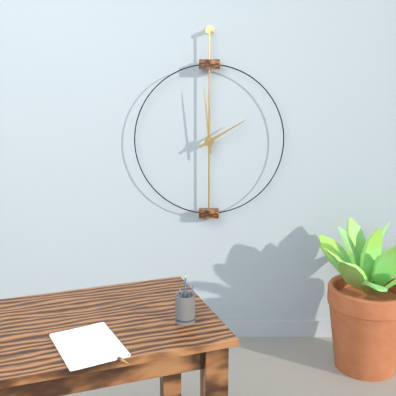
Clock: 1:59
